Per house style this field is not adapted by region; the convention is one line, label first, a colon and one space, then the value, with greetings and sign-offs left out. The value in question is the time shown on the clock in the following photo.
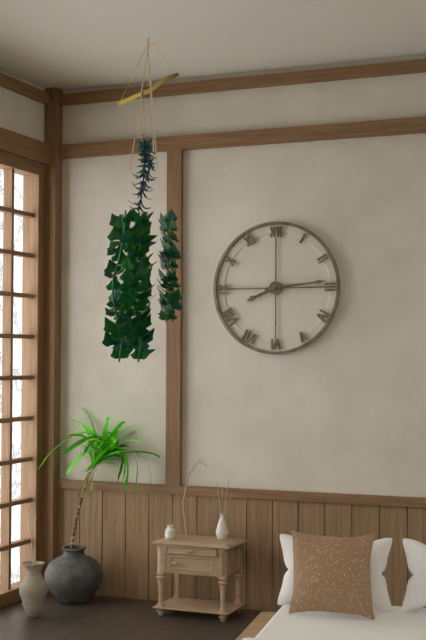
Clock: 8:14
